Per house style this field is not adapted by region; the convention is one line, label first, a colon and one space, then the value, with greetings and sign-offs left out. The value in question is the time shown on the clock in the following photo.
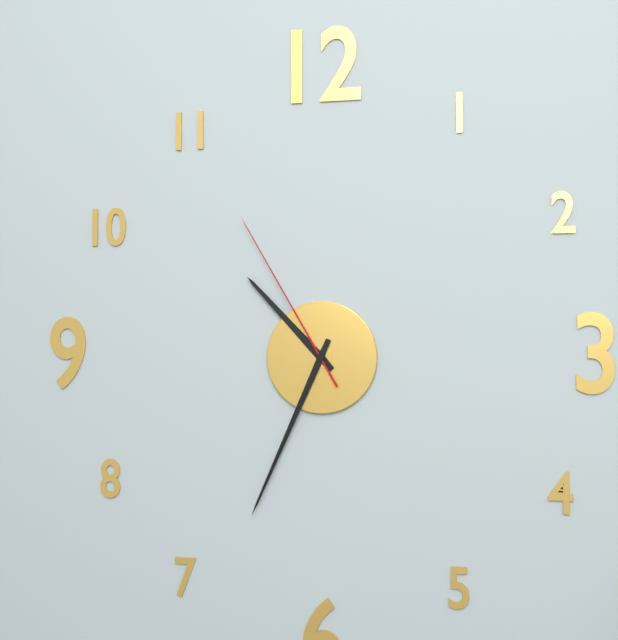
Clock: 10:34:55
